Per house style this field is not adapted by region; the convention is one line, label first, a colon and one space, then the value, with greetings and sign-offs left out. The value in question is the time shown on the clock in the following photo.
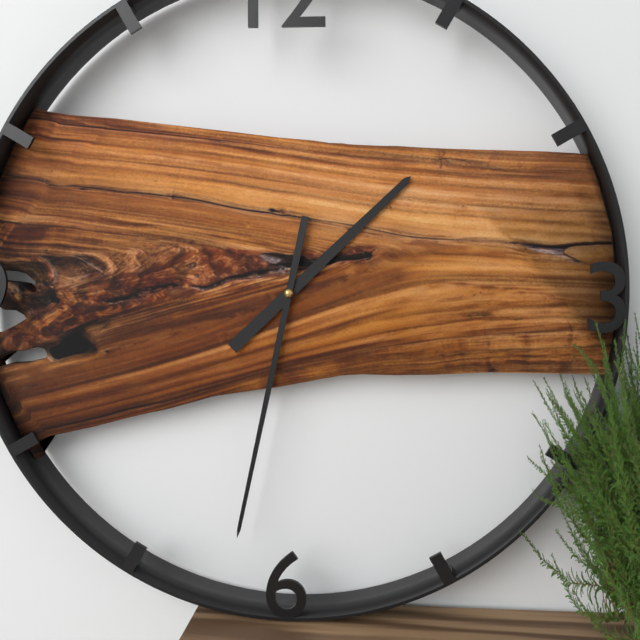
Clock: 1:32
